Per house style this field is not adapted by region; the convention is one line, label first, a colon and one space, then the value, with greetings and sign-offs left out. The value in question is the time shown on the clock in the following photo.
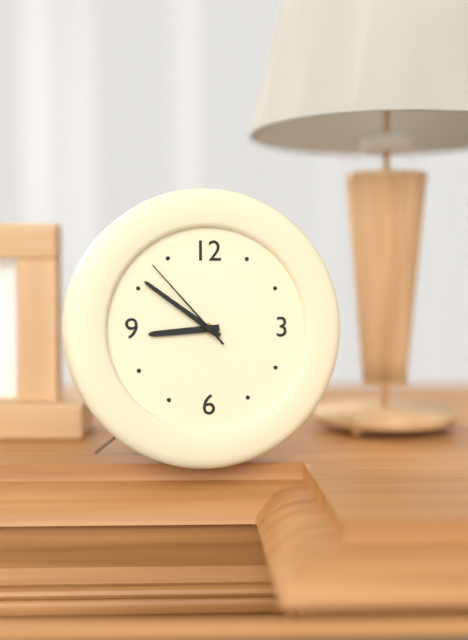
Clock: 8:51:53
